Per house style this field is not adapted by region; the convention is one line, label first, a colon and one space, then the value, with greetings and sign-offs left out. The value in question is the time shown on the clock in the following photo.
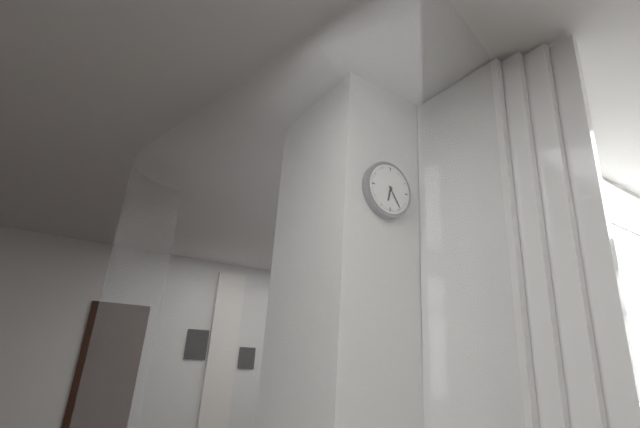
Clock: 6:24
